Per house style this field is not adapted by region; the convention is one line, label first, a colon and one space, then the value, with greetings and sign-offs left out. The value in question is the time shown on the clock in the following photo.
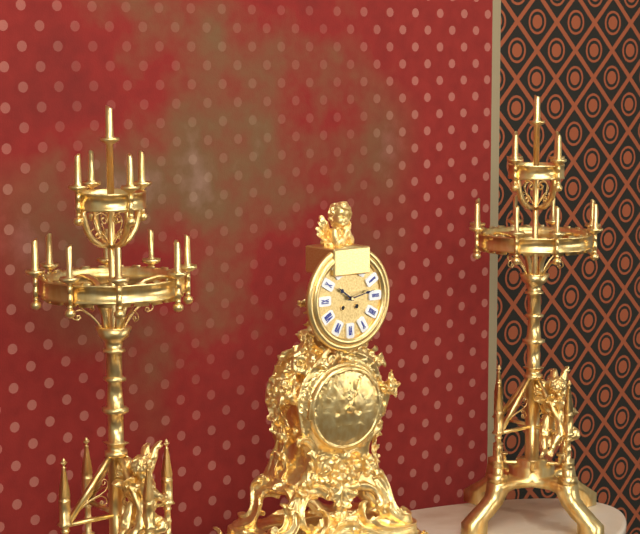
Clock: 10:13
